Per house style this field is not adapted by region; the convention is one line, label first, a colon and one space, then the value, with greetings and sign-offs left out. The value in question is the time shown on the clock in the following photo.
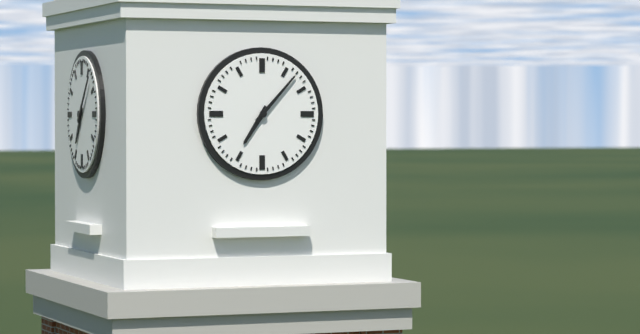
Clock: 7:07
